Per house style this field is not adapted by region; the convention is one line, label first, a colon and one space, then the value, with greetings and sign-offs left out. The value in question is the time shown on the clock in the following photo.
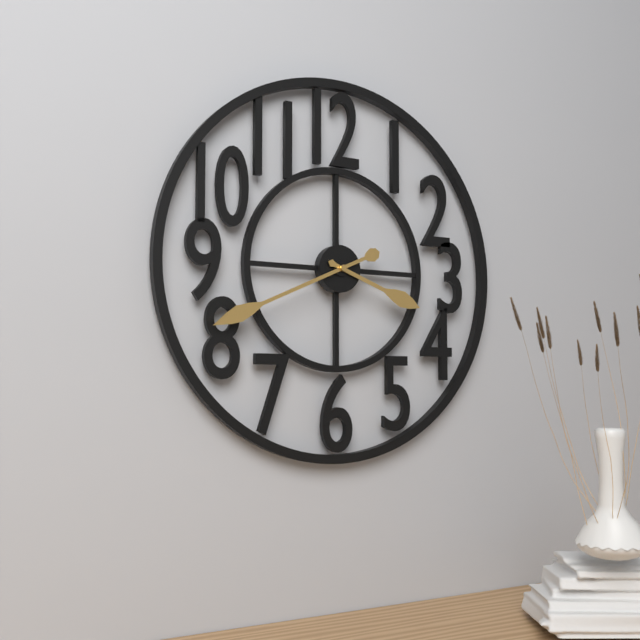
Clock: 3:41
